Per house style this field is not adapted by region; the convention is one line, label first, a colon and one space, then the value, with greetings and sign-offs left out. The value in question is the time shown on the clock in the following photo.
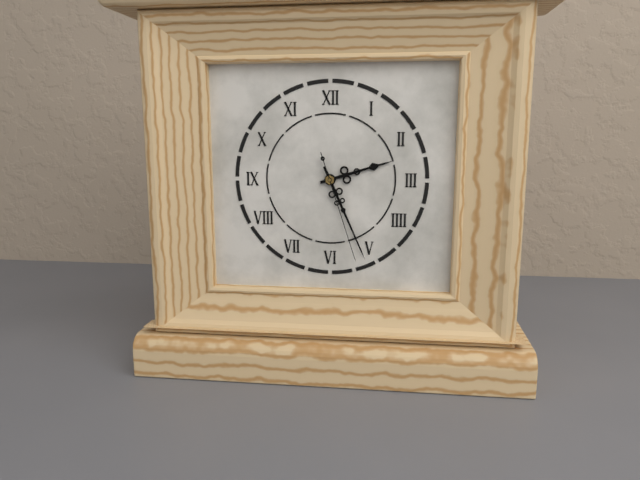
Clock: 2:26:27
